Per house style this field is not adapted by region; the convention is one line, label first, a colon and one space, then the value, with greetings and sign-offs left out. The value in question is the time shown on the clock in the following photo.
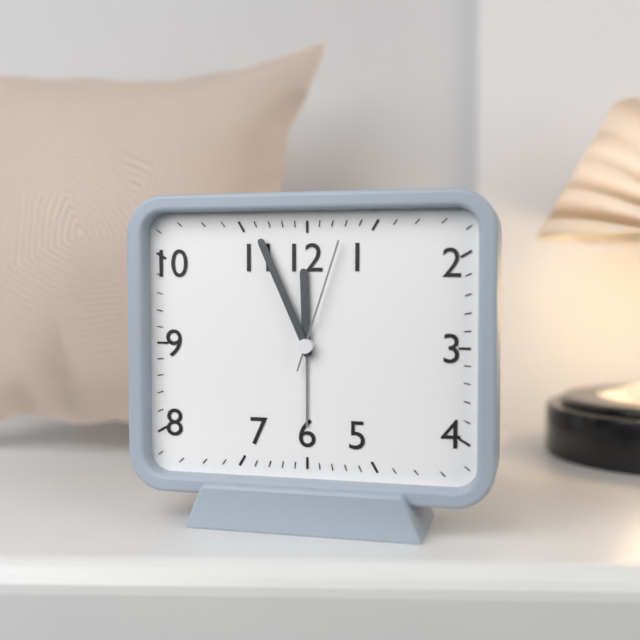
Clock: 11:56:03
